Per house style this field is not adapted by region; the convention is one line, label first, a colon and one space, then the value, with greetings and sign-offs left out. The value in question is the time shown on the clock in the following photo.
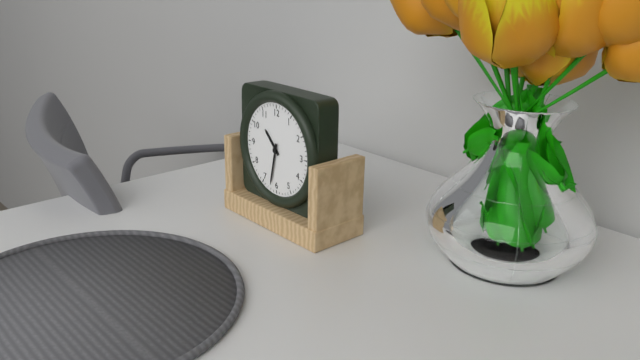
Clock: 10:32
